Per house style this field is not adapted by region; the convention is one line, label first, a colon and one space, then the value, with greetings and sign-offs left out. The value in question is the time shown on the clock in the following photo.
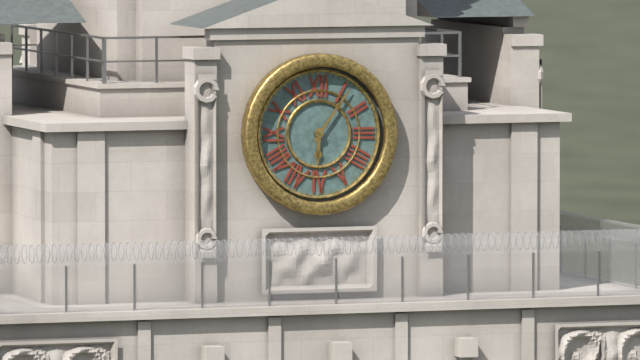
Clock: 6:06
